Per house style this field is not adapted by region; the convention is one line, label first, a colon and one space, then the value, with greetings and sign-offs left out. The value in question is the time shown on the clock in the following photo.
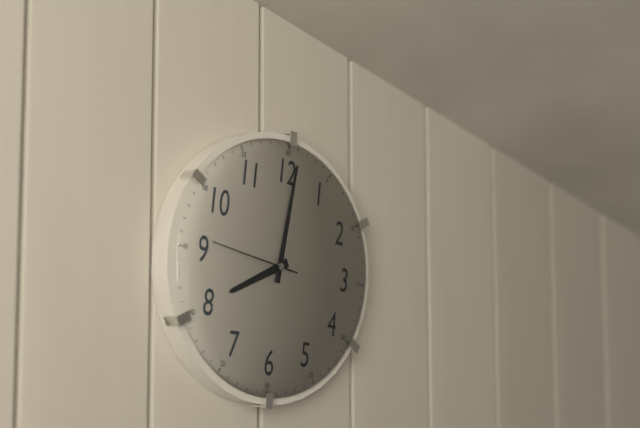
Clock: 8:01:46
